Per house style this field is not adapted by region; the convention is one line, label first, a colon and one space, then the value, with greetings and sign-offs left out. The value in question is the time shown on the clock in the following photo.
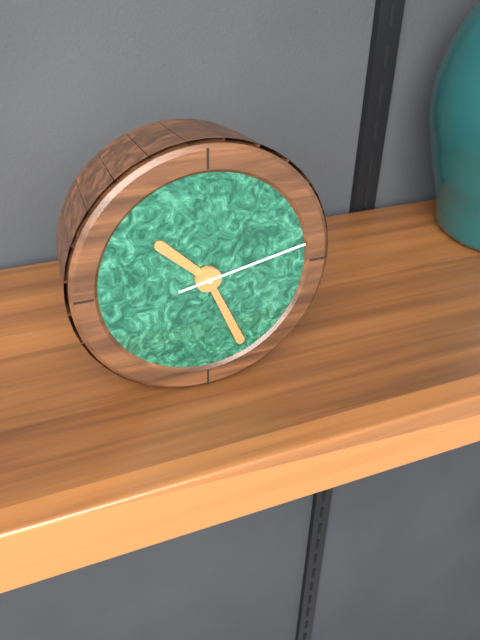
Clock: 10:26:13
